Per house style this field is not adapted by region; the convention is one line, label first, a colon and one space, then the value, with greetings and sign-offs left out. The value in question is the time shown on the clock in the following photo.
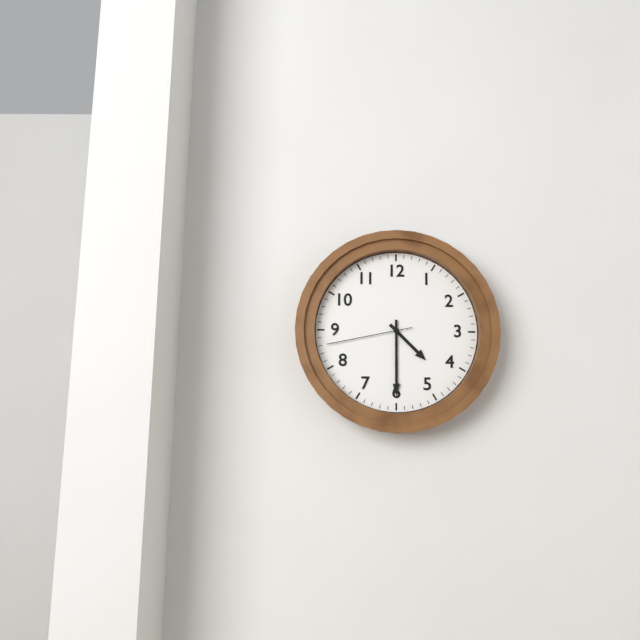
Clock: 4:30:43
